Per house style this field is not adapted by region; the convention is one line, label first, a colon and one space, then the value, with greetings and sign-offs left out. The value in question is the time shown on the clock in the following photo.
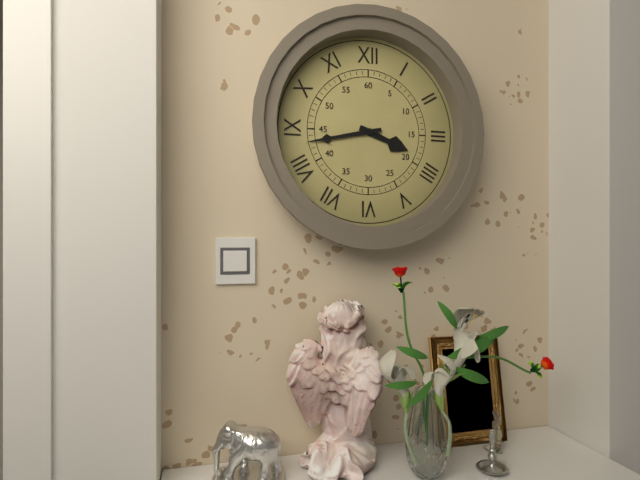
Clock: 3:43
